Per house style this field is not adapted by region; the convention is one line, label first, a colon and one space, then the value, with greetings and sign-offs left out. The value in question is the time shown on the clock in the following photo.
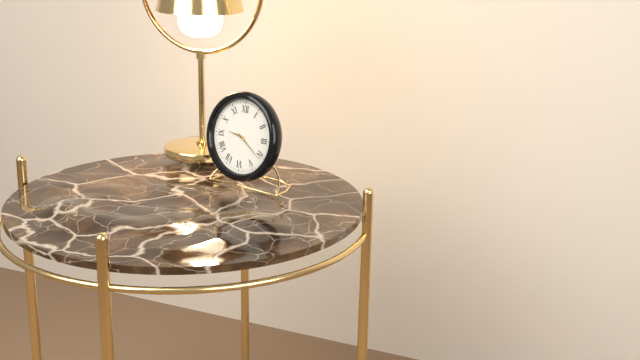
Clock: 9:21
